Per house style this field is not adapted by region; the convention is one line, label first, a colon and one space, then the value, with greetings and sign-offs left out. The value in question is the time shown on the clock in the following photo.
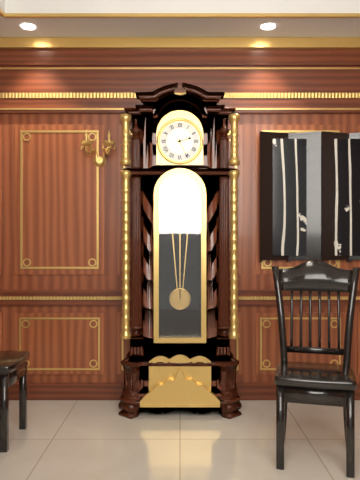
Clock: 2:26
